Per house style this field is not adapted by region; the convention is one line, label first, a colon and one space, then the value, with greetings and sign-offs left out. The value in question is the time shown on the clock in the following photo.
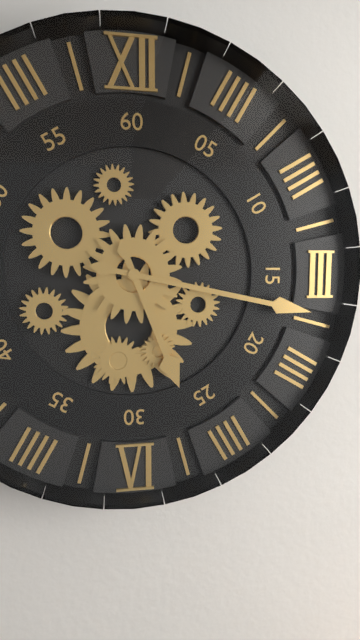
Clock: 5:17
